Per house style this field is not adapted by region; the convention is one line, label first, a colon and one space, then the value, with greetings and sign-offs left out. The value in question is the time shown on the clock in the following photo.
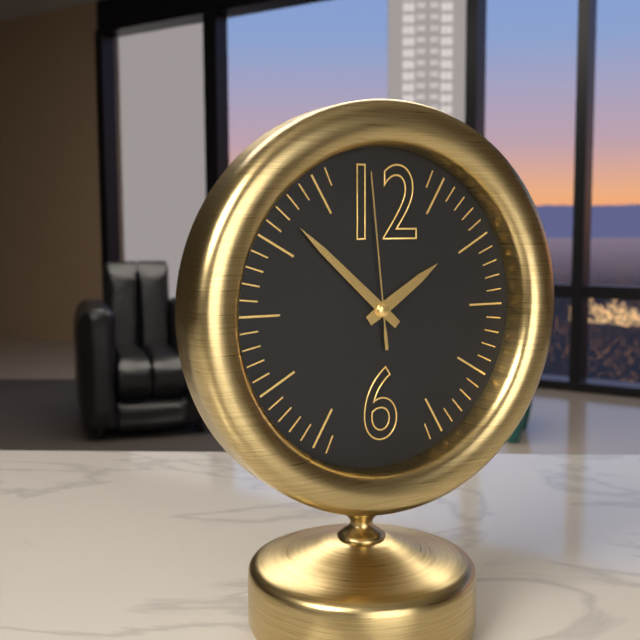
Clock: 1:52:59
